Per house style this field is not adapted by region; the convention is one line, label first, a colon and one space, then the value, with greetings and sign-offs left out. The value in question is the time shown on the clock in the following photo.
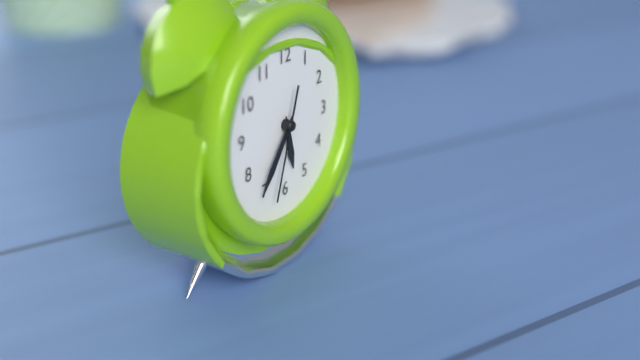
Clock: 5:36:33
